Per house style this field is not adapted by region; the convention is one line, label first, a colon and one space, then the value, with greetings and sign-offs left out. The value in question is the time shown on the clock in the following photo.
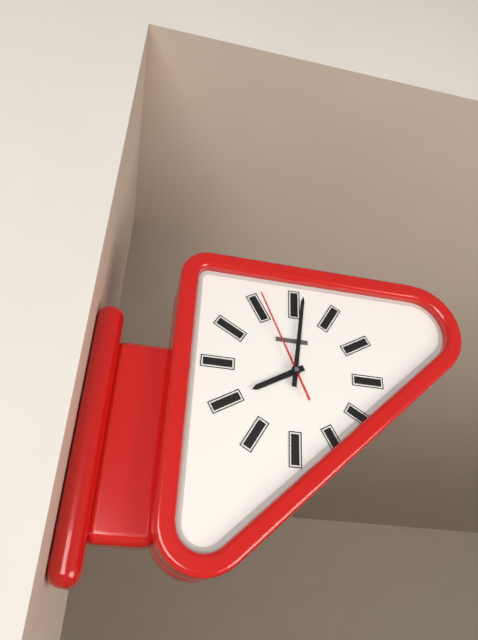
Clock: 8:01:56
